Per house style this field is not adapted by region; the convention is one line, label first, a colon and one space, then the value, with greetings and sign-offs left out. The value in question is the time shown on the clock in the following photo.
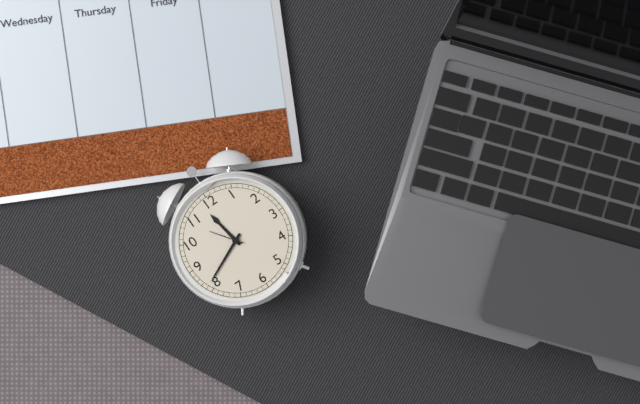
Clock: 11:41
